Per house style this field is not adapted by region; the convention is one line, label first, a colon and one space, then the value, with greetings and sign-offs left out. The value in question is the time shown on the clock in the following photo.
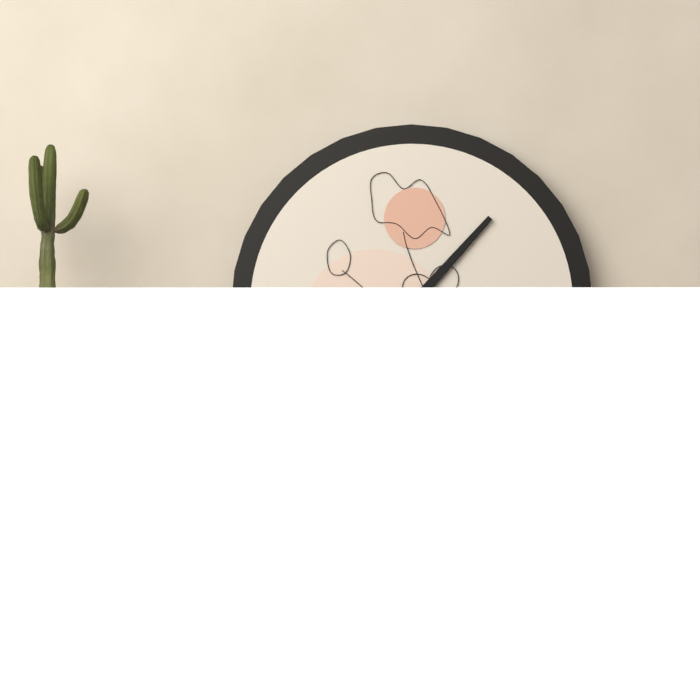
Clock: 5:07
